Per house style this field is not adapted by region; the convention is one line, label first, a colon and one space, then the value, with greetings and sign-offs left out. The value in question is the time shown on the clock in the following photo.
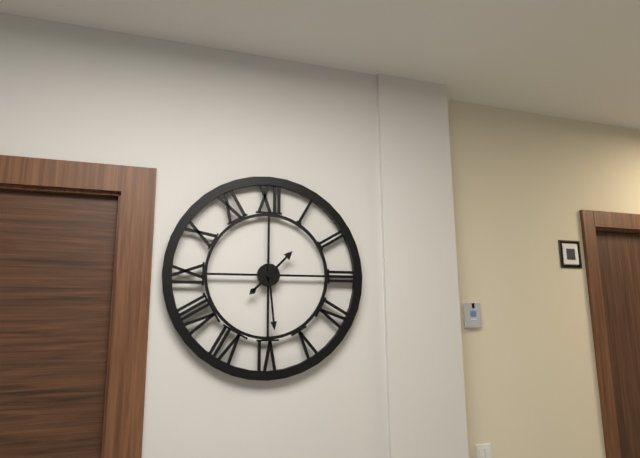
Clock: 1:29
